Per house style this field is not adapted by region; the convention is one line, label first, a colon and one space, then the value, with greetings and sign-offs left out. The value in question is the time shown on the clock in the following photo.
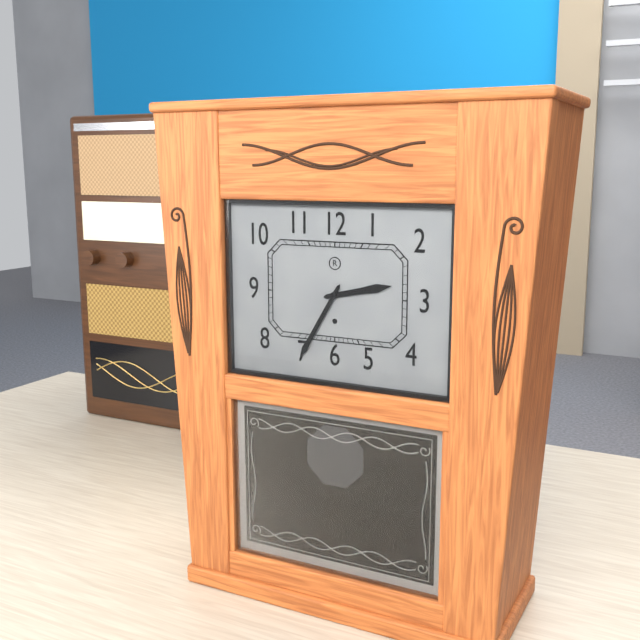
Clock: 2:35
